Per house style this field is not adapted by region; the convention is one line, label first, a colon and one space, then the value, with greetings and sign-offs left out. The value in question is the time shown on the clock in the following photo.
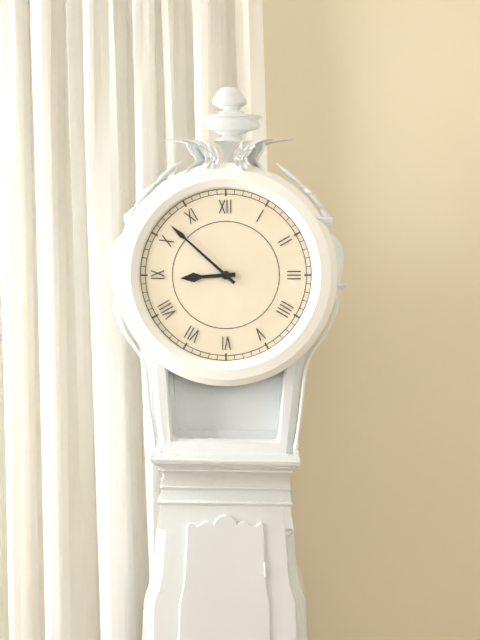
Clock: 8:52
